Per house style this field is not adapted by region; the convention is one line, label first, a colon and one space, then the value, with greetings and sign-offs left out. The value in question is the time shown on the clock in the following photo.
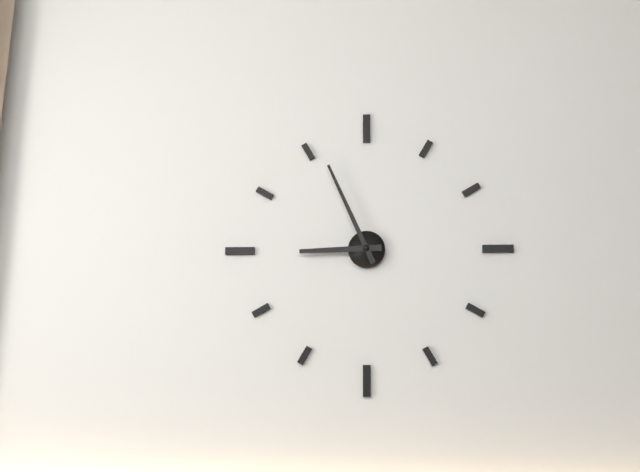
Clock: 8:56
